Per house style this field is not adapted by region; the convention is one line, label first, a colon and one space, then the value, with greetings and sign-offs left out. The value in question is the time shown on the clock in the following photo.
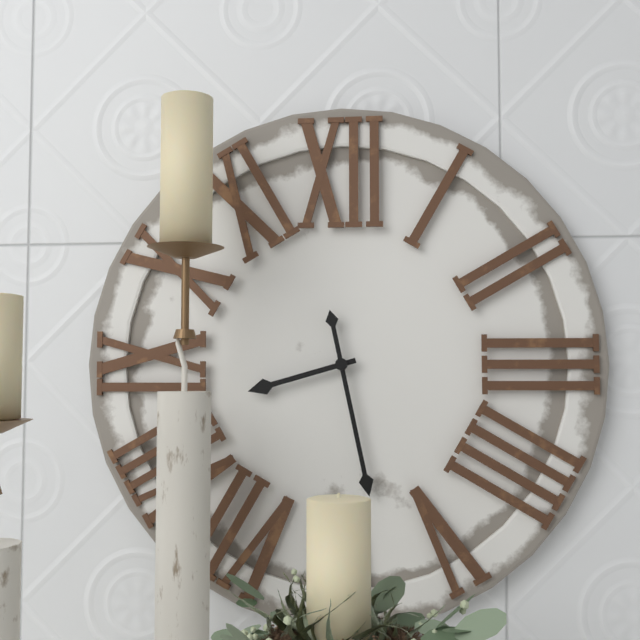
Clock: 8:28
